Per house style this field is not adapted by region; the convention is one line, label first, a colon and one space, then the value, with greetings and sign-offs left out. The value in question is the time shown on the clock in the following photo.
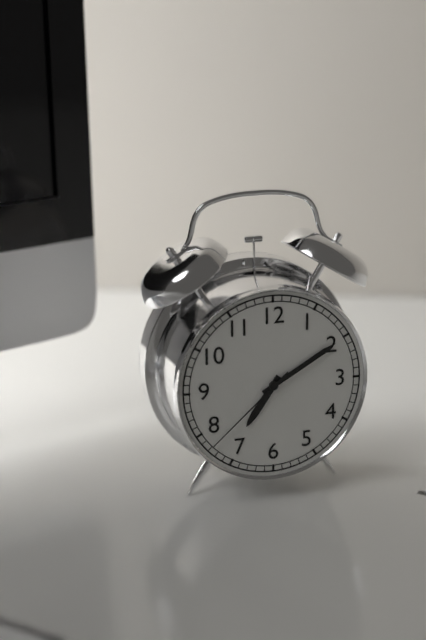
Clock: 7:10:38
